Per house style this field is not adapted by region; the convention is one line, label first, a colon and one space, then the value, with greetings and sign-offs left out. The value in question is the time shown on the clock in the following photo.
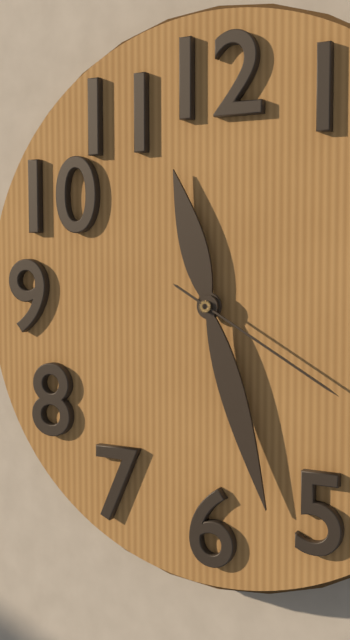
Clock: 11:27:20
